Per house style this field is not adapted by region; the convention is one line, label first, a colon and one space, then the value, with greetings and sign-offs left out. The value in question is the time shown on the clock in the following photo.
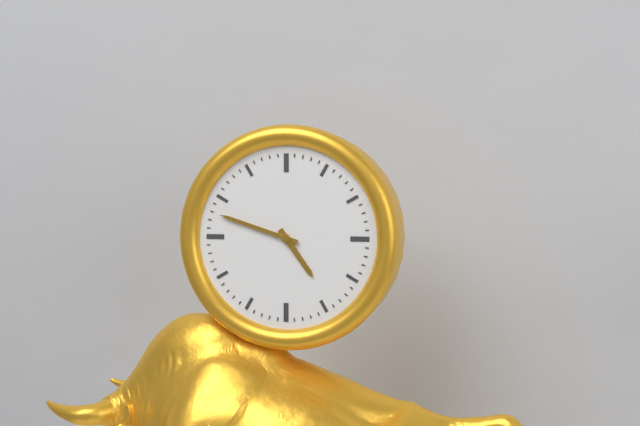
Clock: 4:48
